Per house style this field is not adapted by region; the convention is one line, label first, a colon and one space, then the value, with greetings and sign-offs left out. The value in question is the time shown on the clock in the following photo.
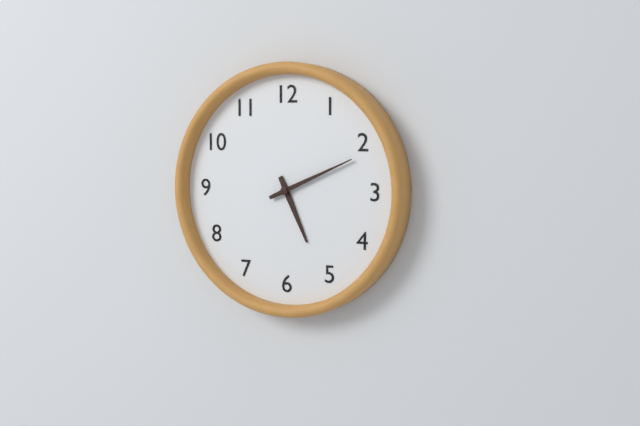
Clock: 5:11
